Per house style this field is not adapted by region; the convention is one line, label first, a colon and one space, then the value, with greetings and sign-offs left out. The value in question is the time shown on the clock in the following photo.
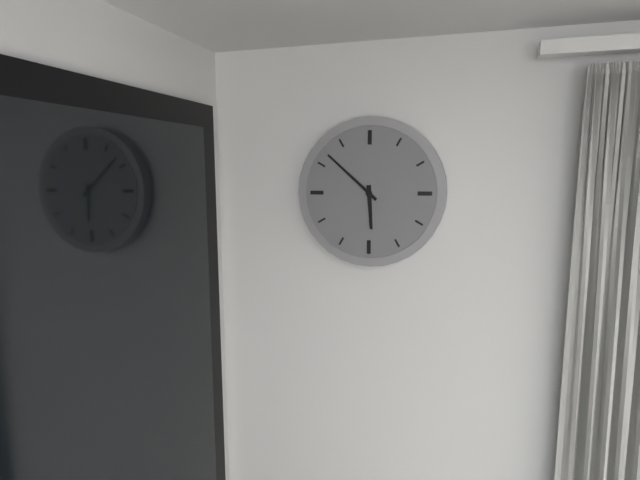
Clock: 5:52
